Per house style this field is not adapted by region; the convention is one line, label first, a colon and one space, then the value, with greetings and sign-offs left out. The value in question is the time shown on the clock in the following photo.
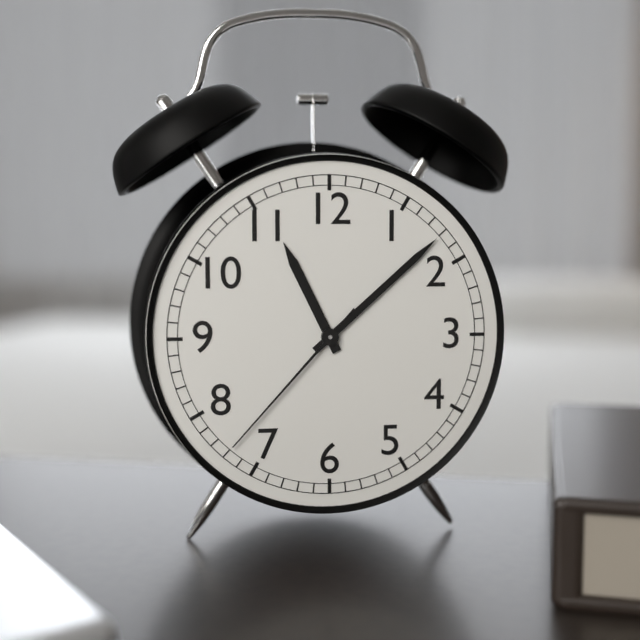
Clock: 11:08:37
